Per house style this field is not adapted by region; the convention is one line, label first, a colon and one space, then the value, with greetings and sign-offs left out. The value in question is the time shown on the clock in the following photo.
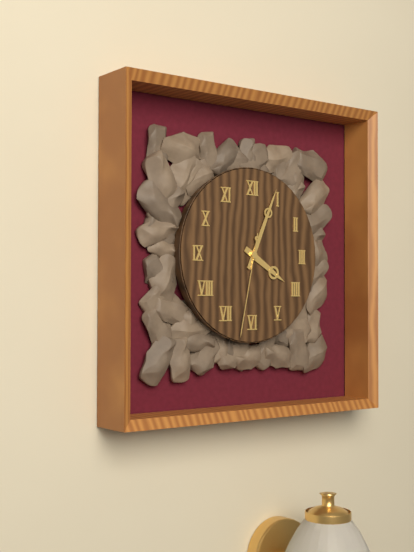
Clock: 4:04:32
